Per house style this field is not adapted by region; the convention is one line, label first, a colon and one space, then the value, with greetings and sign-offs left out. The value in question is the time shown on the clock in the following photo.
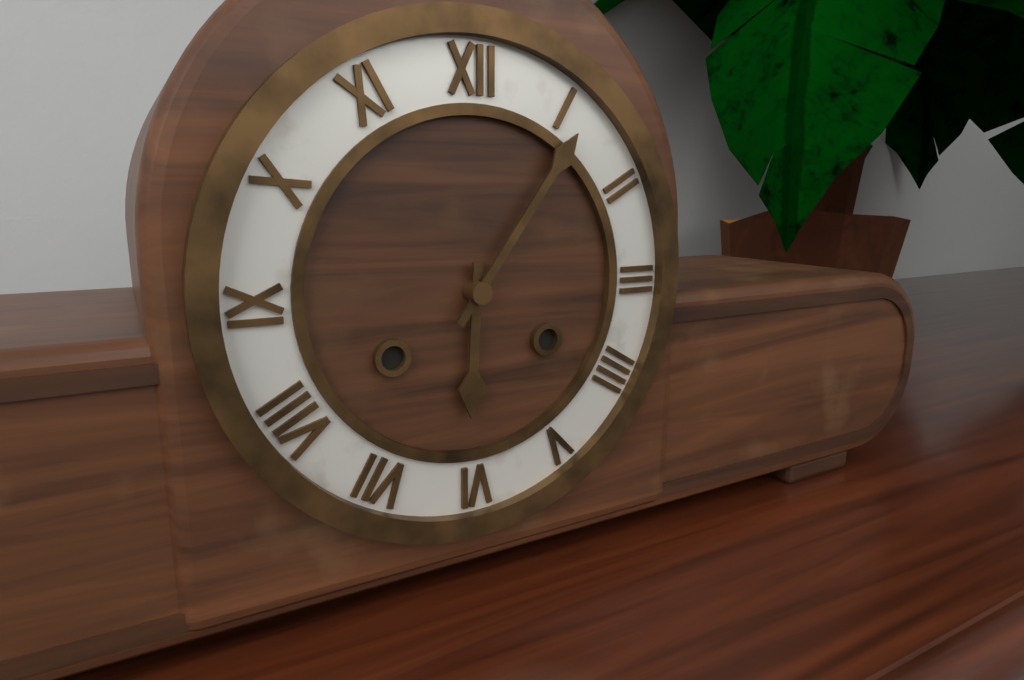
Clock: 6:06
